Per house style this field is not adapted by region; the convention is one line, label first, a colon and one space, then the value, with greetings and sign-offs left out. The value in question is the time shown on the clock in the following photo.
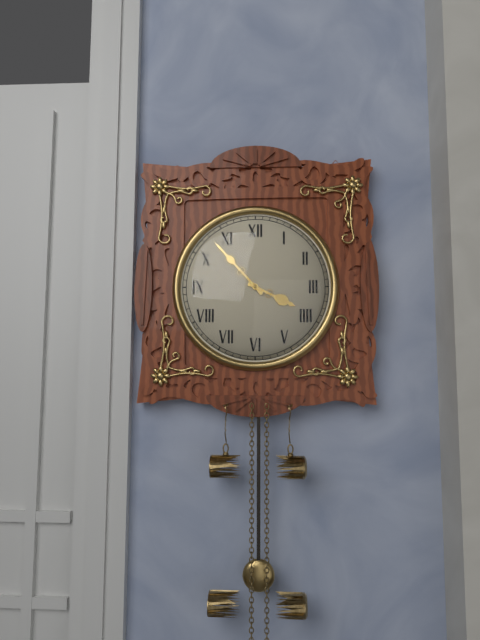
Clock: 3:53
